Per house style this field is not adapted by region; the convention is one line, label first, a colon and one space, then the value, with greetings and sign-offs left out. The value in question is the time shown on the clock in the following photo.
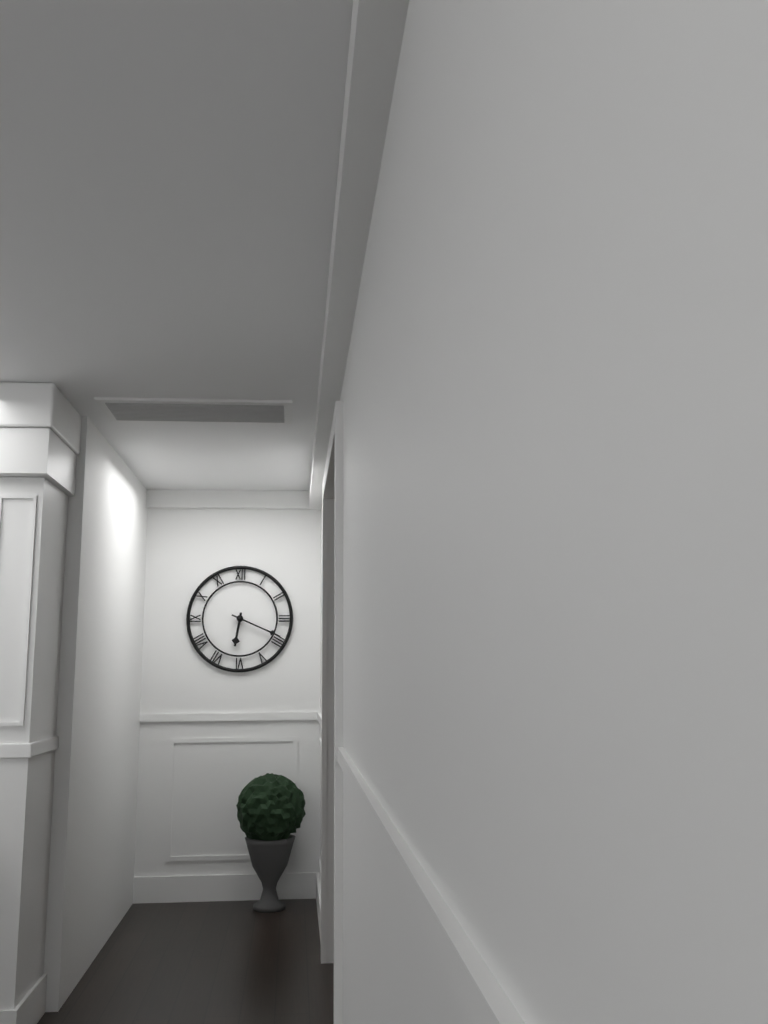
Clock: 6:19
